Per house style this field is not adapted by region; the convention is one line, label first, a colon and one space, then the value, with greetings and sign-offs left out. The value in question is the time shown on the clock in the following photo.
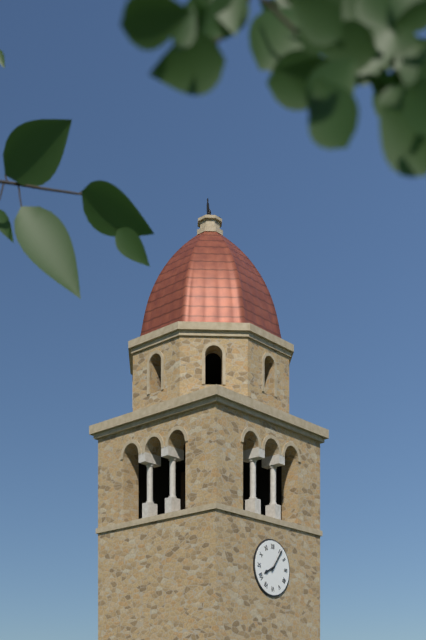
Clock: 8:06
